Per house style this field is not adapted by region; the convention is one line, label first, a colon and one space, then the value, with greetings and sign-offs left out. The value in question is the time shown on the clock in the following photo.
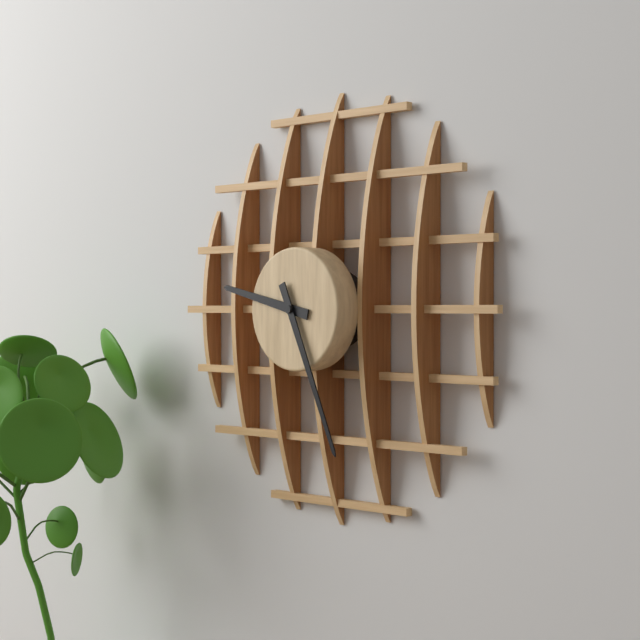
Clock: 9:26
